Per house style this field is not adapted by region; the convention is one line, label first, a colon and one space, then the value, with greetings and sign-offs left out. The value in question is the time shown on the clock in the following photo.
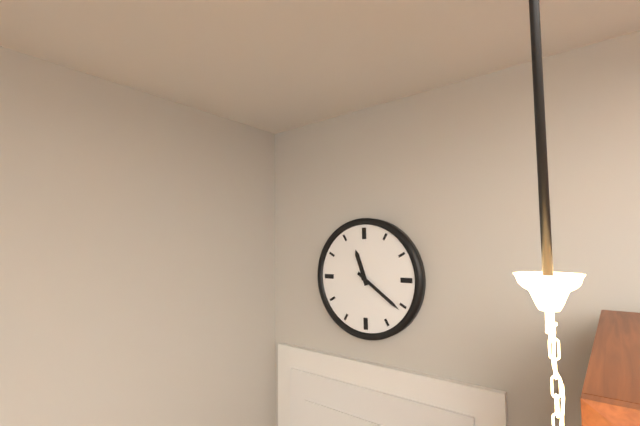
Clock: 11:21
